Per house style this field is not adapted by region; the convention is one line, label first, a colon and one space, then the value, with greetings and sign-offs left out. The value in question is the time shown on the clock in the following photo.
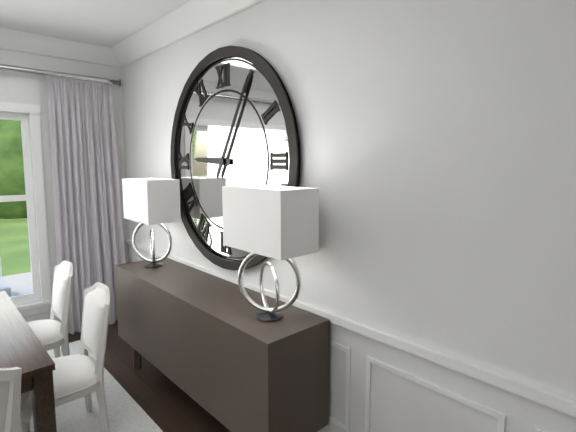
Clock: 9:05
